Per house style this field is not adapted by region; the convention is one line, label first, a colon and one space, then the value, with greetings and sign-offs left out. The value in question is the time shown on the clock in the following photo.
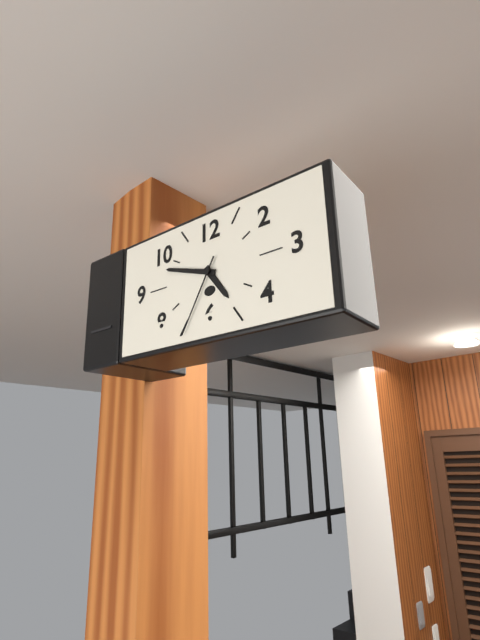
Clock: 4:48:35
